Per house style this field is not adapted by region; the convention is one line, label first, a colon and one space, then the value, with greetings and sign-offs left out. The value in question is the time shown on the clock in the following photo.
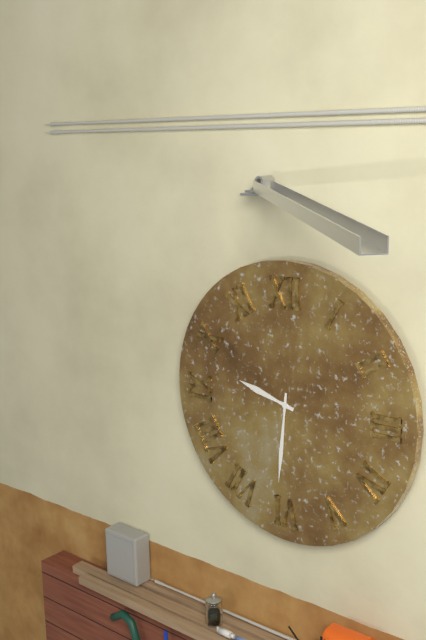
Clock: 9:31
